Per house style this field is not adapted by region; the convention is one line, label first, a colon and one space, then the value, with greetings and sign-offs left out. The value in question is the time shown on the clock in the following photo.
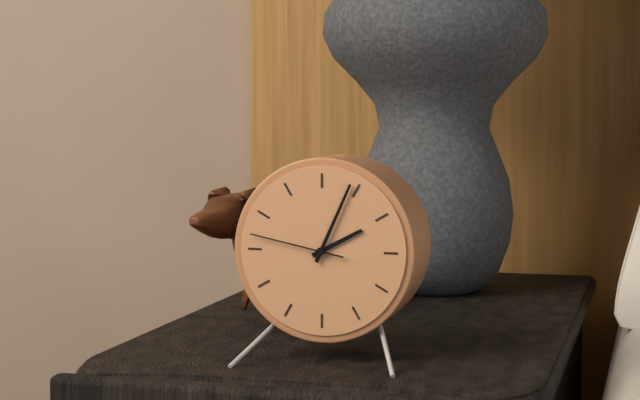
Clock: 2:04:47
